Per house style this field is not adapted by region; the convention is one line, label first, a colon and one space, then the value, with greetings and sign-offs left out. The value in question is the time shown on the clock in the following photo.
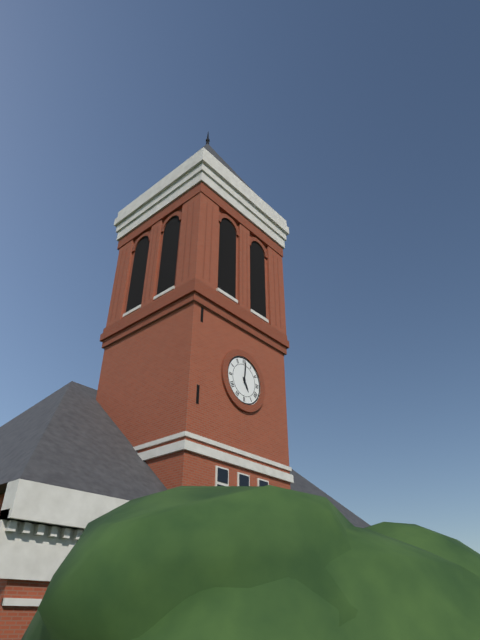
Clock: 5:01
